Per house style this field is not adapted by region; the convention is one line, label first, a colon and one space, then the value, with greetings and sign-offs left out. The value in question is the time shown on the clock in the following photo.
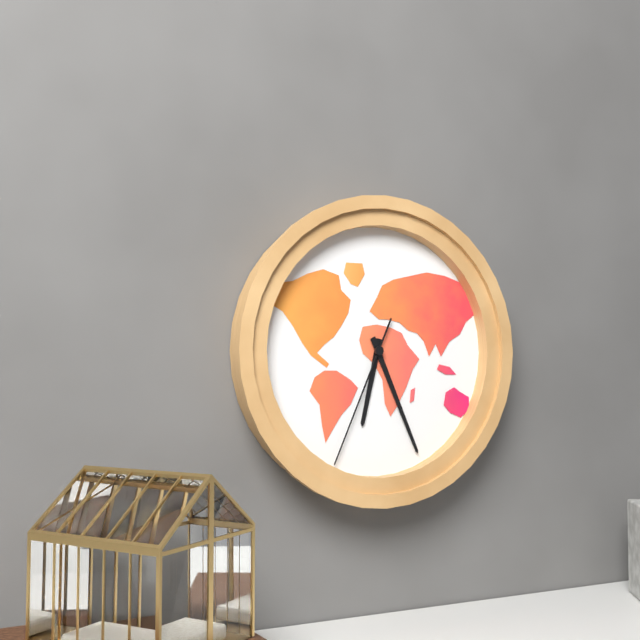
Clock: 6:26:34
